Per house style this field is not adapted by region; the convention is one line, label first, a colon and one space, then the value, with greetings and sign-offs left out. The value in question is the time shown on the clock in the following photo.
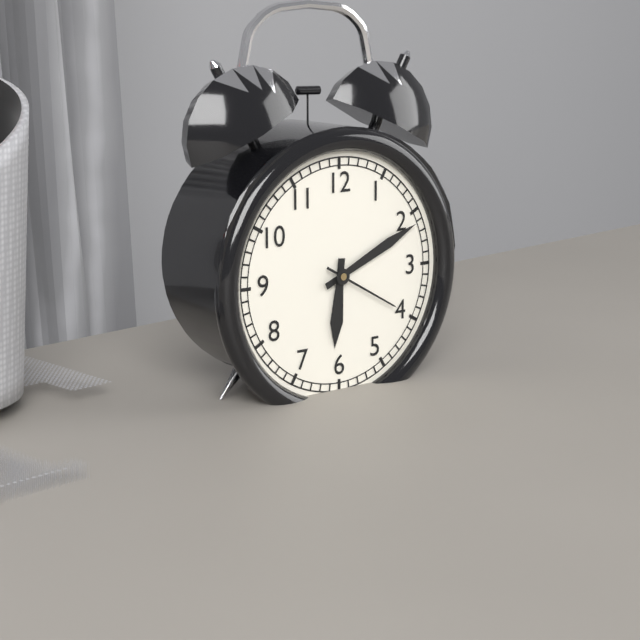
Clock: 6:11:20
